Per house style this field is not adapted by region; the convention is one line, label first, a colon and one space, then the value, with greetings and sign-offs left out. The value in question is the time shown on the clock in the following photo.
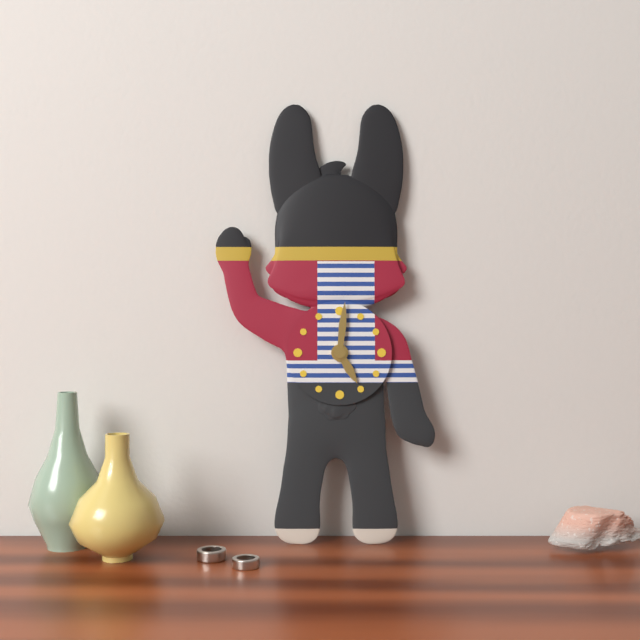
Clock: 5:01
